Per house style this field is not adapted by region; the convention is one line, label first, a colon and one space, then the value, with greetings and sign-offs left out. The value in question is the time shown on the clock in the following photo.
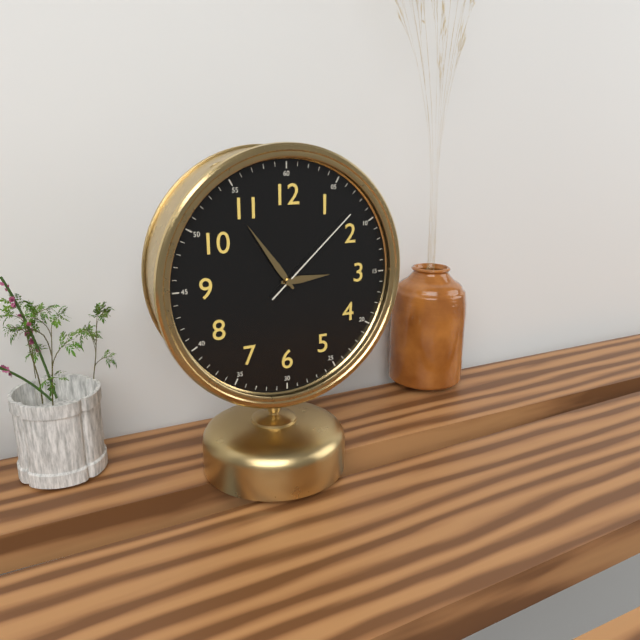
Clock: 2:54:08
